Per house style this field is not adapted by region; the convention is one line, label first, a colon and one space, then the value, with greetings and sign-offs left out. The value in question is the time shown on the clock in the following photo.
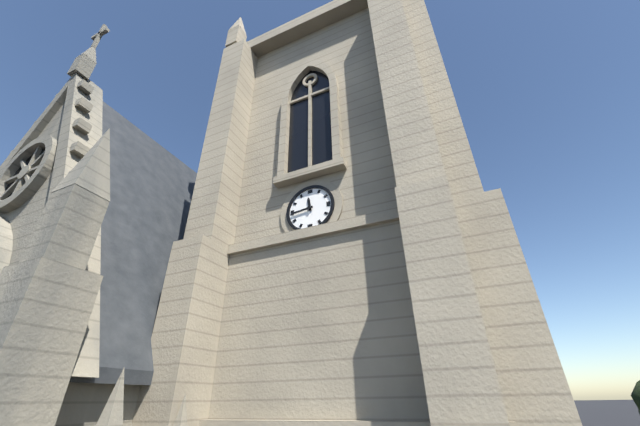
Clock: 11:44
